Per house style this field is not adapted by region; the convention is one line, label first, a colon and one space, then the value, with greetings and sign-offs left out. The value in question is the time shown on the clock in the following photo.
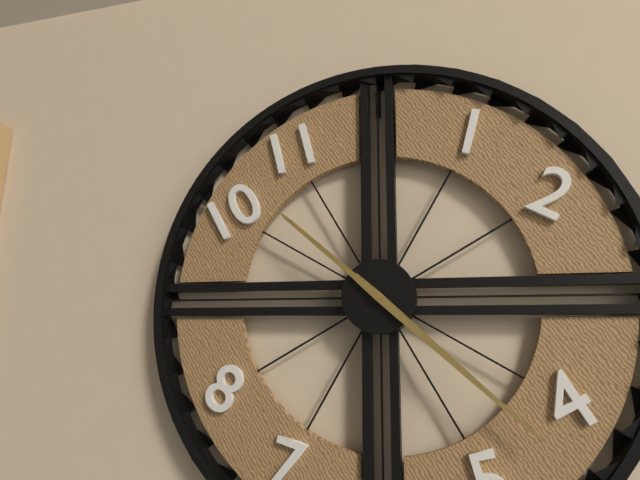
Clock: 10:22
